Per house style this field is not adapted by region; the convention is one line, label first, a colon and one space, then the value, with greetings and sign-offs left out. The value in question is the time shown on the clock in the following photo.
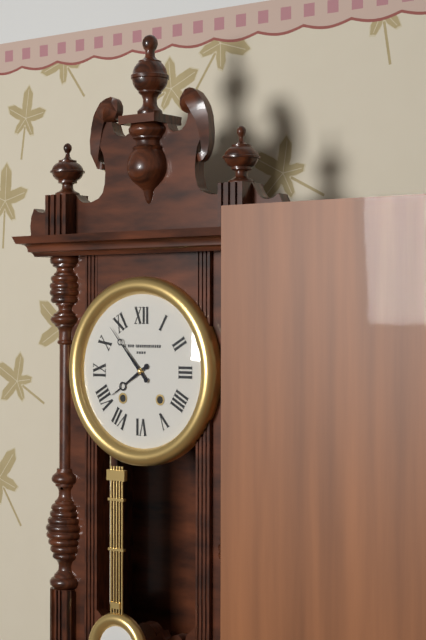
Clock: 7:53
